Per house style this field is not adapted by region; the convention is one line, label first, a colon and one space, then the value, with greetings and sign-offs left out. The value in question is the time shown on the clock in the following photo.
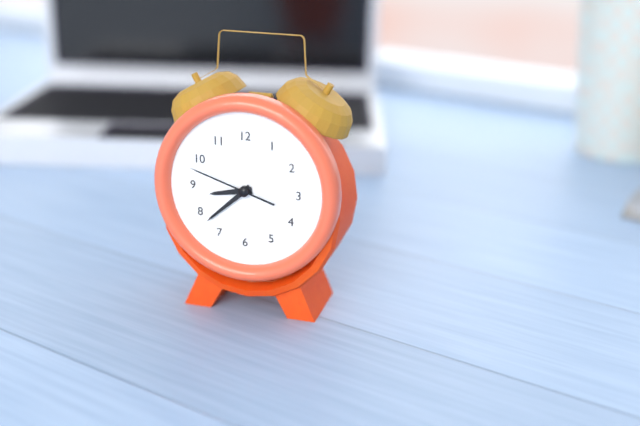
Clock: 8:38:48
